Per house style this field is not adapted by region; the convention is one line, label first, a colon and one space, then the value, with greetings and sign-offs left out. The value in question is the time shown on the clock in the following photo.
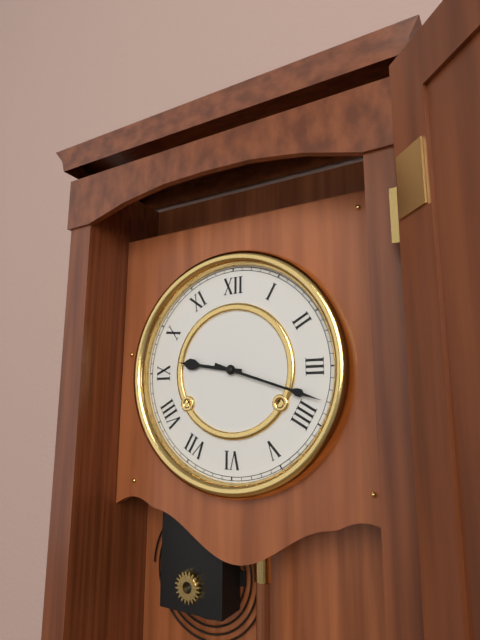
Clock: 9:18
